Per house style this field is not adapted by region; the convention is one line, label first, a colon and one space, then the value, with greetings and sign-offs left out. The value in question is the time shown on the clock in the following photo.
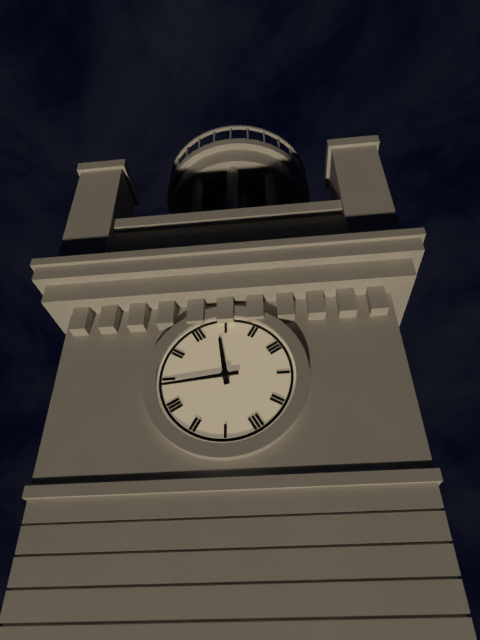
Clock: 11:44
